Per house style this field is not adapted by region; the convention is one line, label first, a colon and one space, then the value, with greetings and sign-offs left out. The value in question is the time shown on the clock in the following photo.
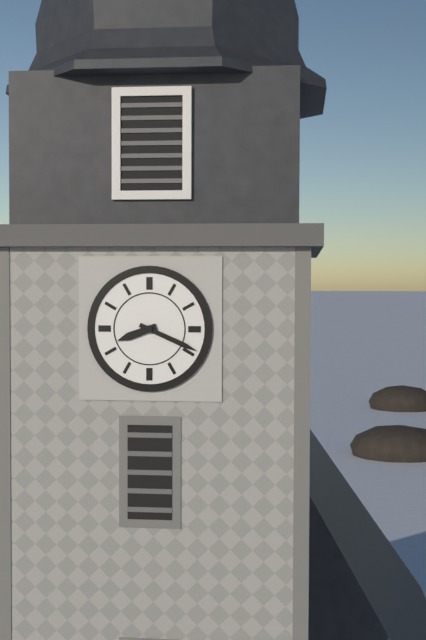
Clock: 8:19
